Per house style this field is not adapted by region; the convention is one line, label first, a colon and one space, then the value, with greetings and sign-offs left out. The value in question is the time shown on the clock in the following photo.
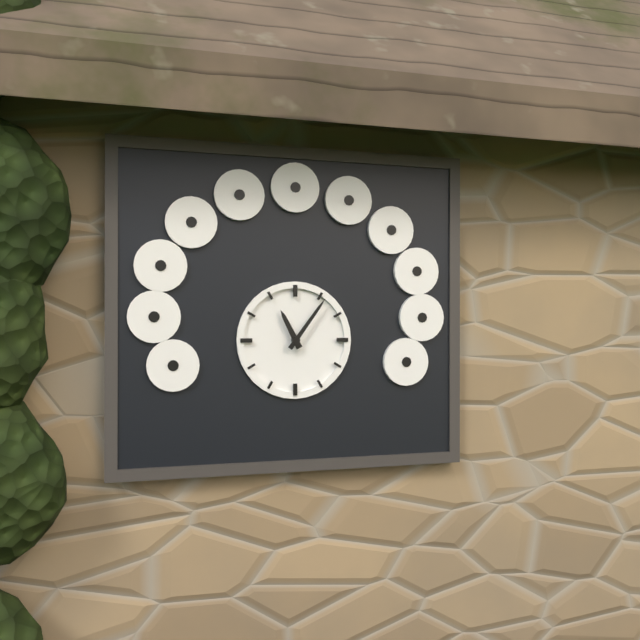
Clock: 11:06
